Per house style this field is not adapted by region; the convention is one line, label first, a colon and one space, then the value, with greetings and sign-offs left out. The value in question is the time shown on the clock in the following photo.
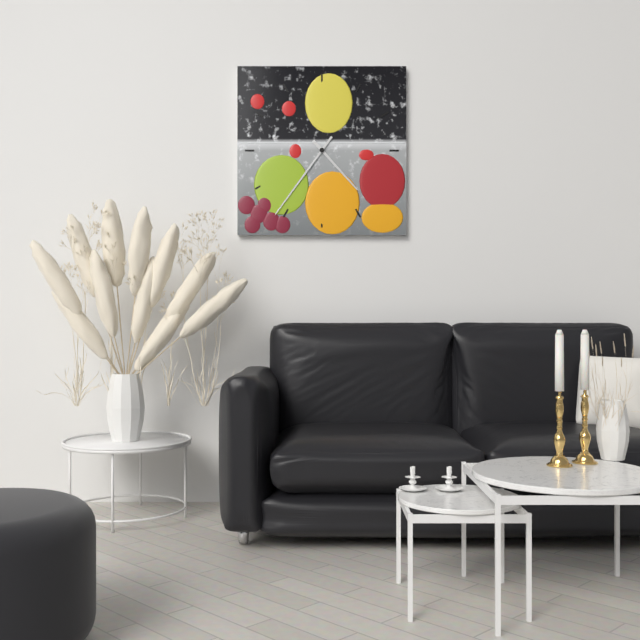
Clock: 4:36
